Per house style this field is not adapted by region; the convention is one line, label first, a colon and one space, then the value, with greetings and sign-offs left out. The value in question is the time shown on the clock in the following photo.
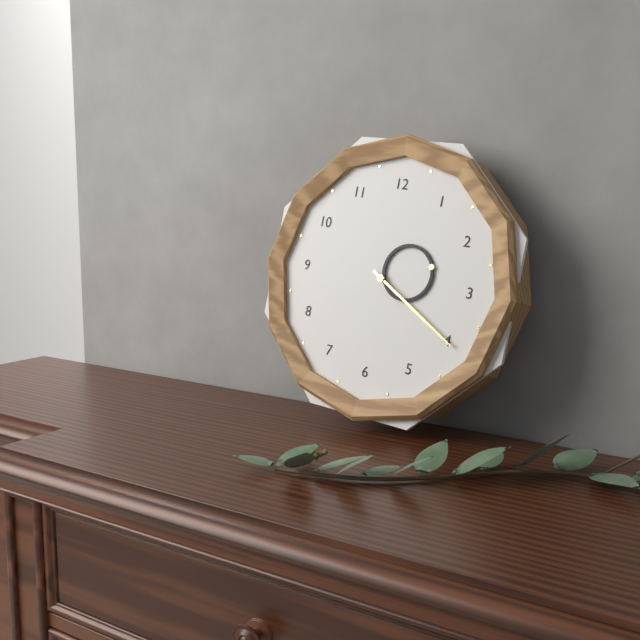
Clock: 2:20
